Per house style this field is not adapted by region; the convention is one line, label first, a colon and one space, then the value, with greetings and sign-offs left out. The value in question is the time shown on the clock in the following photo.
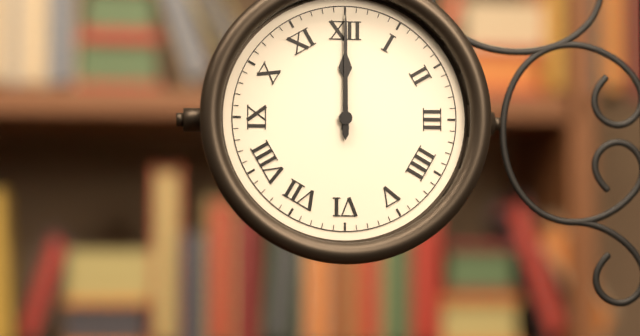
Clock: 12:00
